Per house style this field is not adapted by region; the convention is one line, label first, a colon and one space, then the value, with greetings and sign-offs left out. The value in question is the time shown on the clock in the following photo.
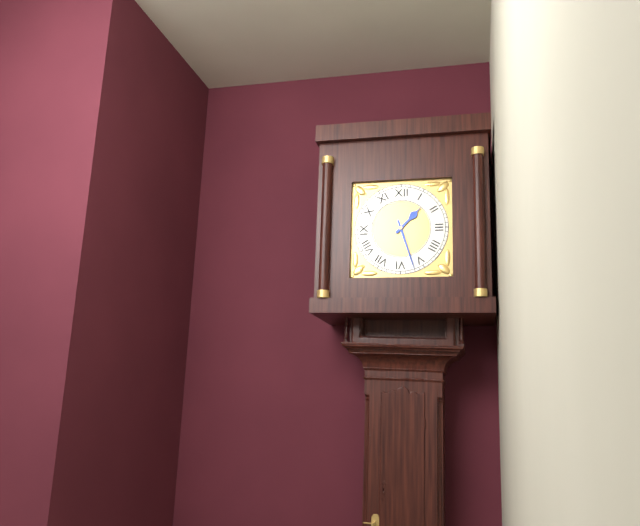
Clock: 1:27
